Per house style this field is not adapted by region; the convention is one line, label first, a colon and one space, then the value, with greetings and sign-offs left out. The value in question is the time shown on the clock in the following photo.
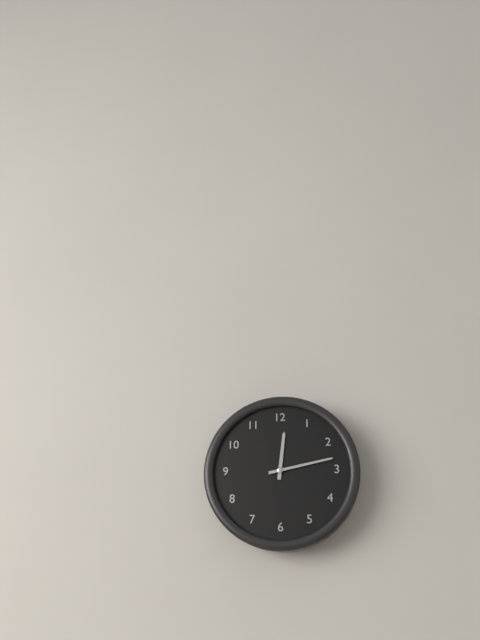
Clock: 12:13
